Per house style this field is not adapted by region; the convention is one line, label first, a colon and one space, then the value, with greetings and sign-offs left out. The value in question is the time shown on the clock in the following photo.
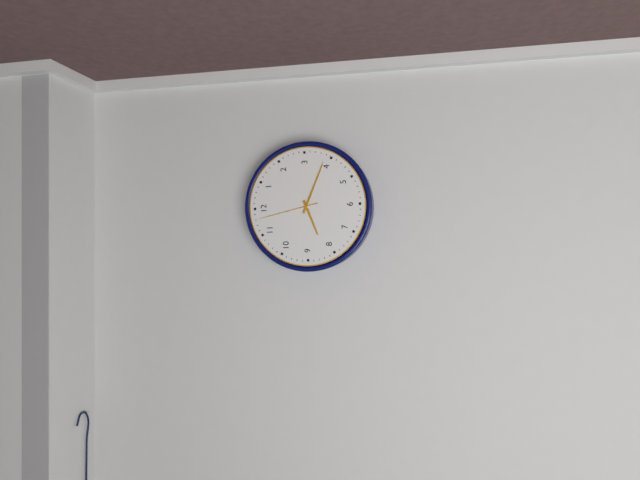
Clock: 8:19:58
